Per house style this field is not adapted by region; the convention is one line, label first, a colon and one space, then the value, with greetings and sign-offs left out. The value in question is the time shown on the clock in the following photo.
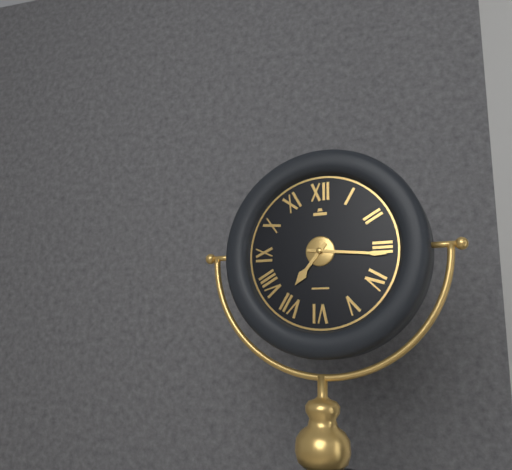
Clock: 7:16
